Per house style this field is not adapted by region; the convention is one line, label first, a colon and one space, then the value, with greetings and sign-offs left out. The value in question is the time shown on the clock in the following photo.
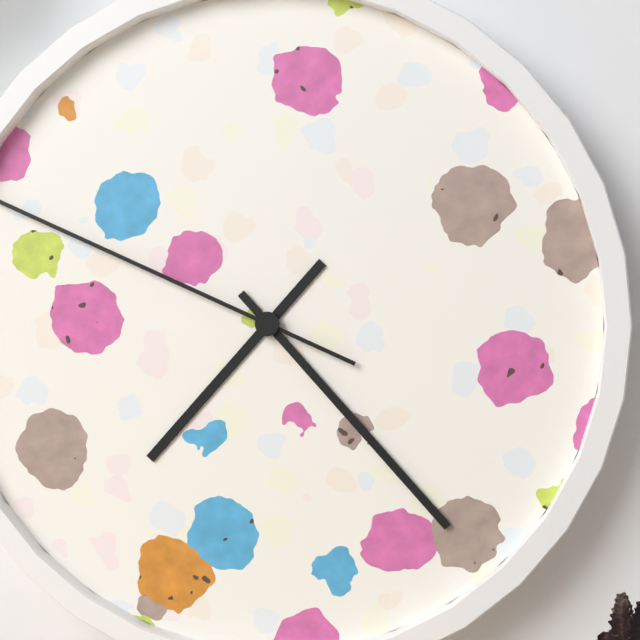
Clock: 7:23
